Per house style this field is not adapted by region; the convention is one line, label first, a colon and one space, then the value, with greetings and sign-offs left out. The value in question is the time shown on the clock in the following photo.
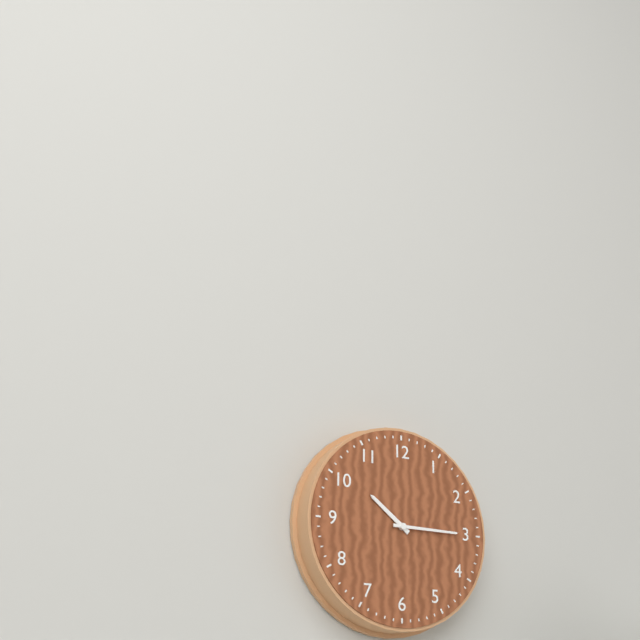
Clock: 10:15
